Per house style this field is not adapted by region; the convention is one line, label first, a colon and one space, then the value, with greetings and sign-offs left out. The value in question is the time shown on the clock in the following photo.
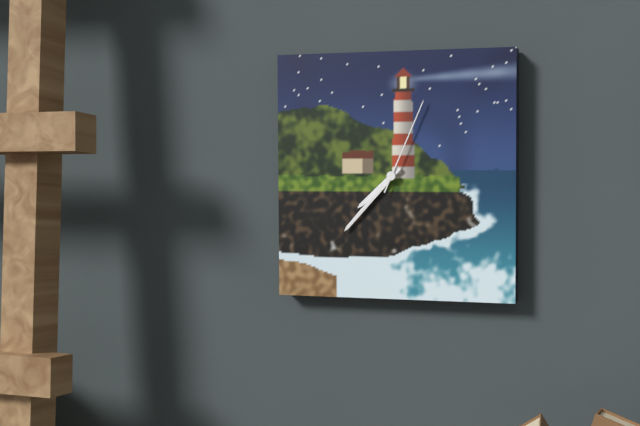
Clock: 7:37:04
